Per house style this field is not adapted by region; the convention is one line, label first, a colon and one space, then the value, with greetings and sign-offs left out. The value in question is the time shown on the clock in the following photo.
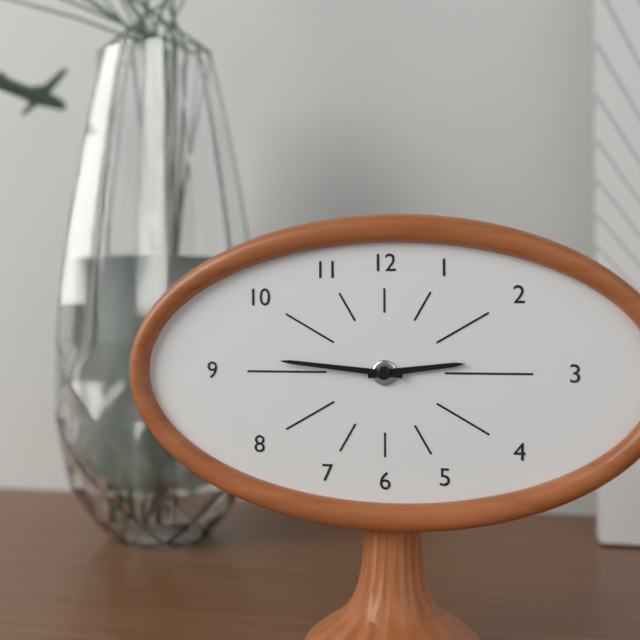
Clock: 2:46
